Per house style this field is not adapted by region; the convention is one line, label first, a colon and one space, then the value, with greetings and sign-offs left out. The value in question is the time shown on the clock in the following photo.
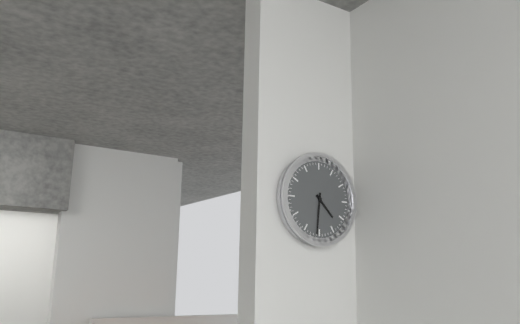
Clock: 4:31
